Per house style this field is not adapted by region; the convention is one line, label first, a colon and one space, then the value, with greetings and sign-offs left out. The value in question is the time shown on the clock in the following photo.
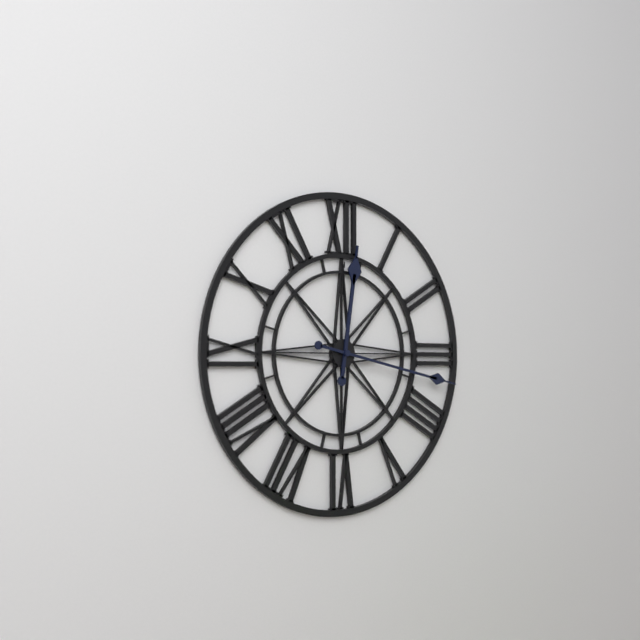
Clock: 12:17
